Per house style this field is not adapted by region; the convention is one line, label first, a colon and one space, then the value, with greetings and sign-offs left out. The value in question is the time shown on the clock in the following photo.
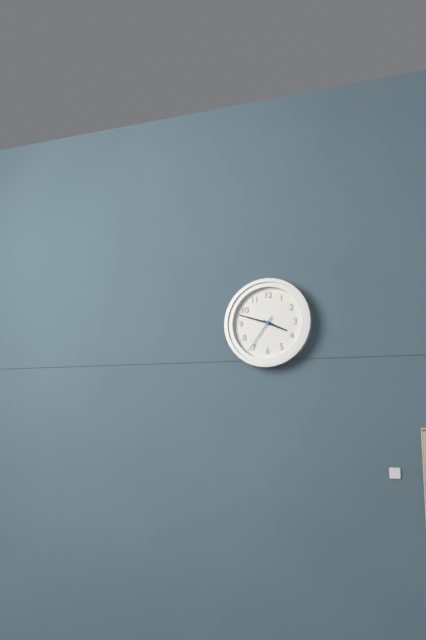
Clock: 3:48
